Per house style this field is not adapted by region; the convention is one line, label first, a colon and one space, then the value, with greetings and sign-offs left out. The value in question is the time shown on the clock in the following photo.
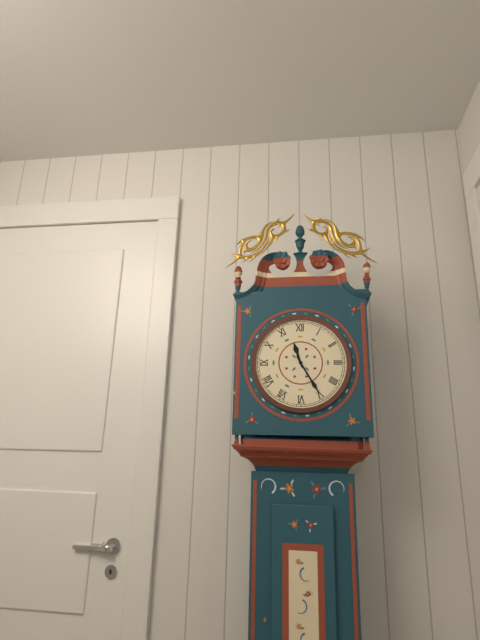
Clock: 11:25
